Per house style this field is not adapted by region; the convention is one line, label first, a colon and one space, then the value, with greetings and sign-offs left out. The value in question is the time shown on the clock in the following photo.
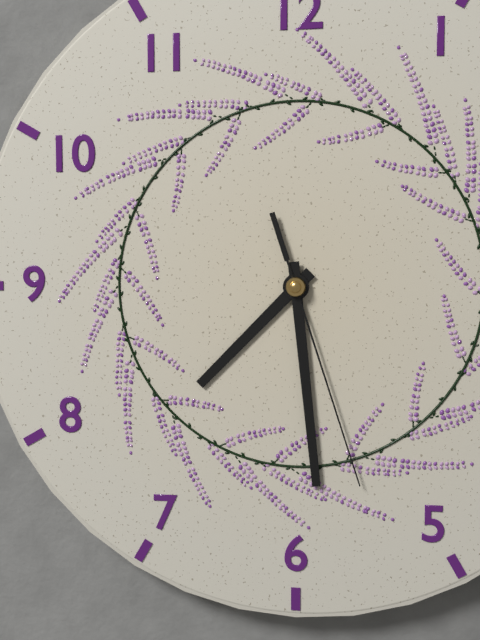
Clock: 7:29:27
